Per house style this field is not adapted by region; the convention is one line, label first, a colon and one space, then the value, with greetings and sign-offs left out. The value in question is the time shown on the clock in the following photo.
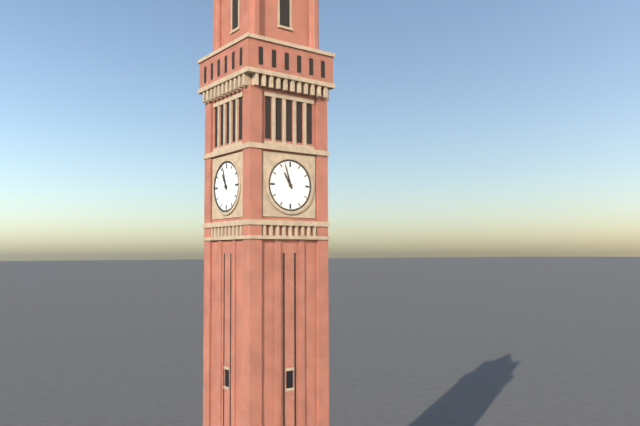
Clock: 10:57
